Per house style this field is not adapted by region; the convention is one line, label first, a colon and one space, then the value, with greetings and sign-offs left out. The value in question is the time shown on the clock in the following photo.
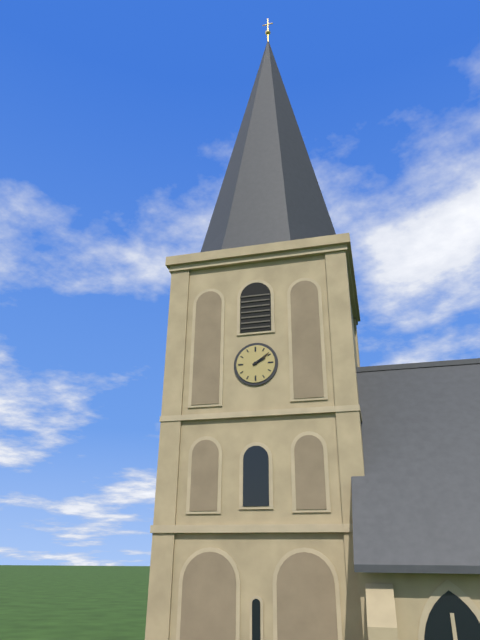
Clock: 2:09
